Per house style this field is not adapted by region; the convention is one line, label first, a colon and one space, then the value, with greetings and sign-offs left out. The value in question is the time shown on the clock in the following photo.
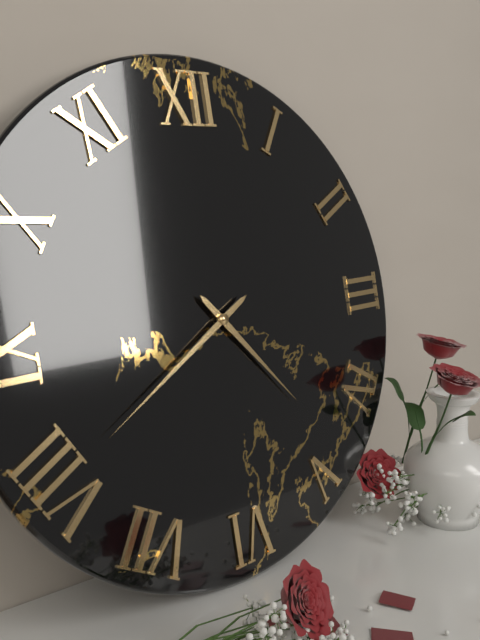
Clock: 4:40
